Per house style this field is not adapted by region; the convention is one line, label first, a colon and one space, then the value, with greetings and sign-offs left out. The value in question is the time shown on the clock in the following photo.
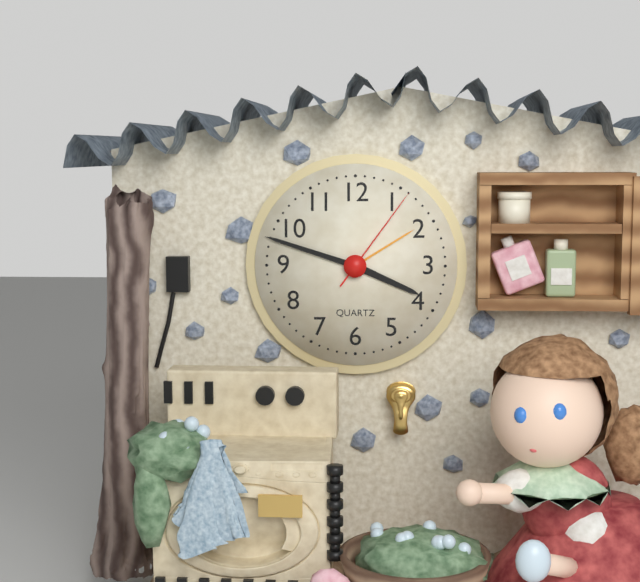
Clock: 3:48:06
